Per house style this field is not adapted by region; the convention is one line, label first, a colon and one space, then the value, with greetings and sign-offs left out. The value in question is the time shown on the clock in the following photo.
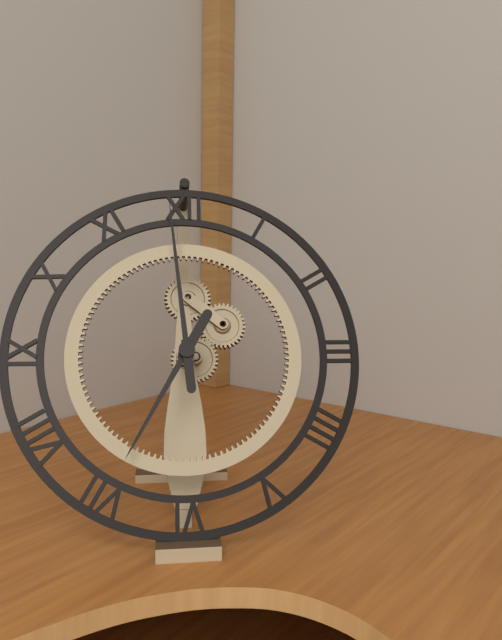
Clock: 6:59
